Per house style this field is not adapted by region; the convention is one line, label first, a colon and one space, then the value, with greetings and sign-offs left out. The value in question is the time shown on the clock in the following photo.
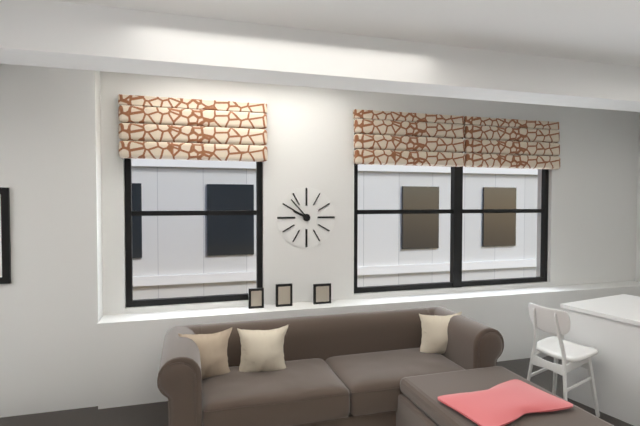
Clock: 9:53
